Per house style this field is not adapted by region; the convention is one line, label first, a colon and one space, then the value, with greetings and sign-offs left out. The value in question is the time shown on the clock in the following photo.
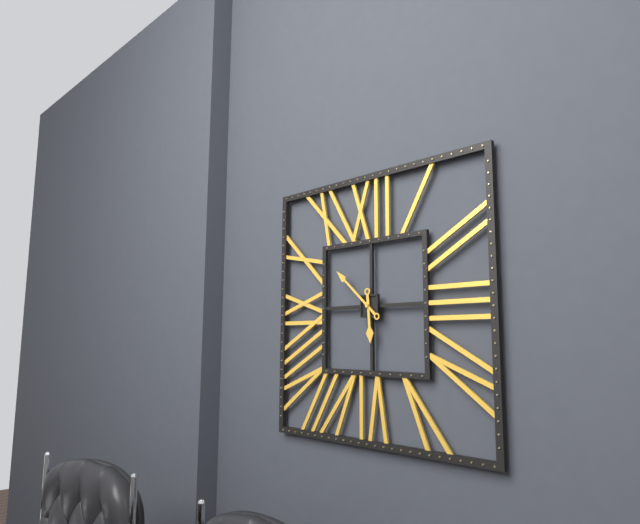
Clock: 5:52
